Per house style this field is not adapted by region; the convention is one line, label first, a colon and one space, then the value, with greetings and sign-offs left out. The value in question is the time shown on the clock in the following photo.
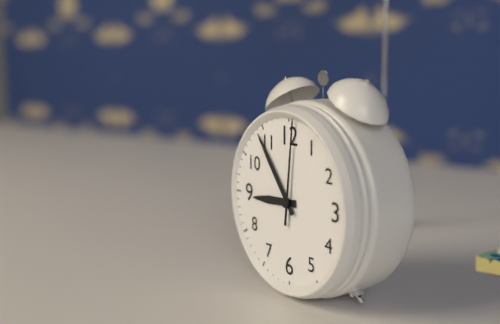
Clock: 8:54:01
